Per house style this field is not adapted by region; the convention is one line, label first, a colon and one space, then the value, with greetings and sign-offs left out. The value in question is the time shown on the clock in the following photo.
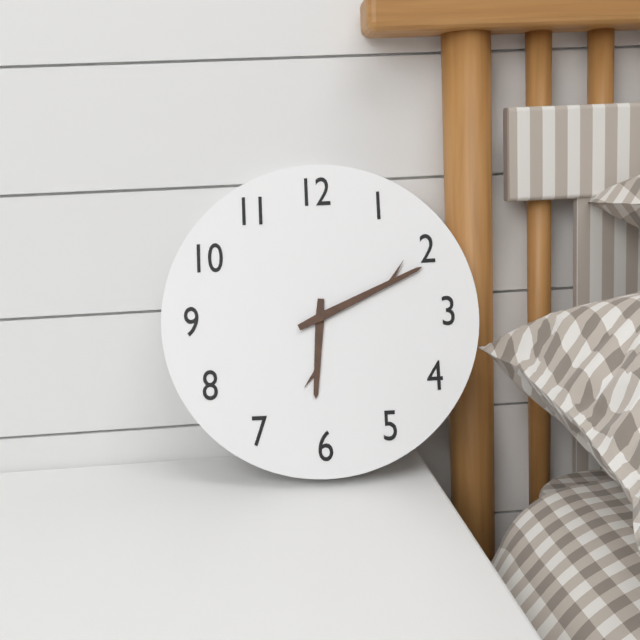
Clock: 6:11
